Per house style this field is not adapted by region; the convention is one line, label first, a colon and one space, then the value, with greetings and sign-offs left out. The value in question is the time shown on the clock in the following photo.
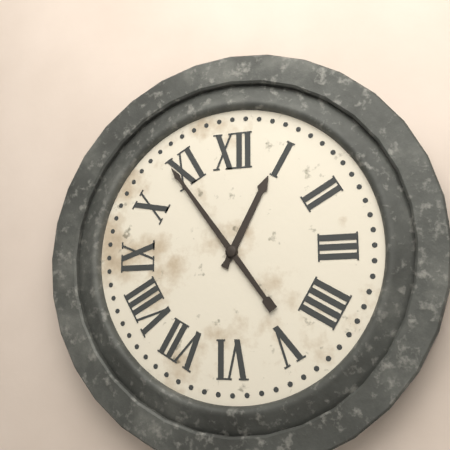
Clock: 12:54
